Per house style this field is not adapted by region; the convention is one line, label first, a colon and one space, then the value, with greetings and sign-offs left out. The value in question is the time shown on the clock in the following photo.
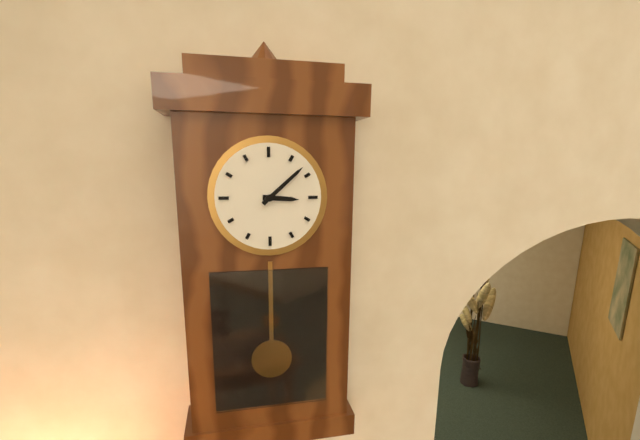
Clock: 3:08
